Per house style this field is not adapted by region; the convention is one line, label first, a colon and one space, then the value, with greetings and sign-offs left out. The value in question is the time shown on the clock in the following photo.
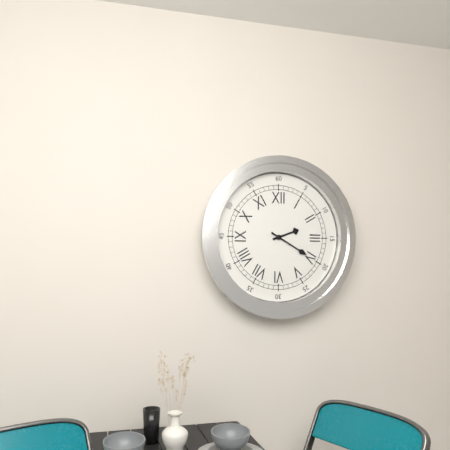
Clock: 2:20
